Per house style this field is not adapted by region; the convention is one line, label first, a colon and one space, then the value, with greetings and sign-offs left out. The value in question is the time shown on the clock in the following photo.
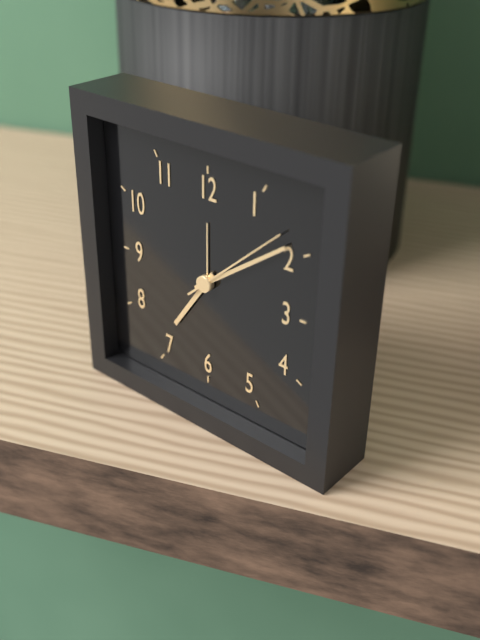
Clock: 7:09:08
